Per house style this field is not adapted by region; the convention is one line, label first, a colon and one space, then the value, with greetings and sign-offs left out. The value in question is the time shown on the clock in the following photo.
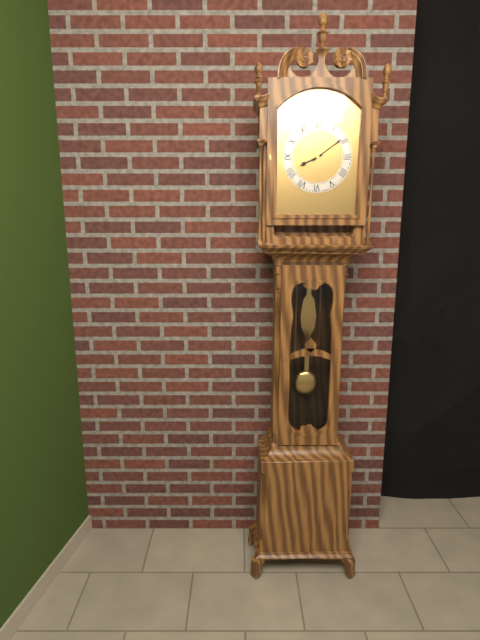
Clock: 8:09
